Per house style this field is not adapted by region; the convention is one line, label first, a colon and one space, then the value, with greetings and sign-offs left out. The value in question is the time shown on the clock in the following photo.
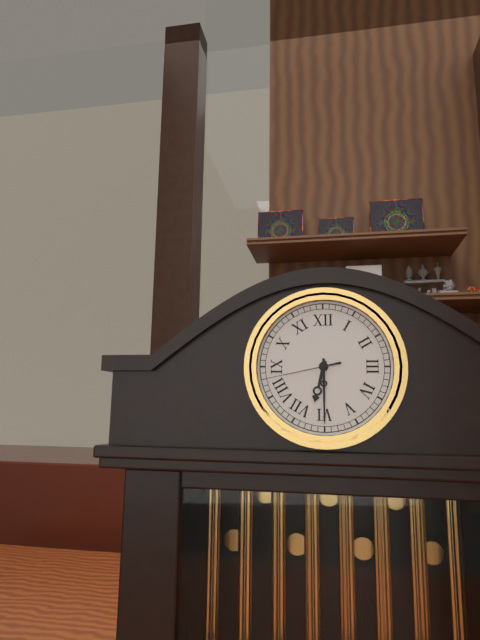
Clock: 6:30:43
